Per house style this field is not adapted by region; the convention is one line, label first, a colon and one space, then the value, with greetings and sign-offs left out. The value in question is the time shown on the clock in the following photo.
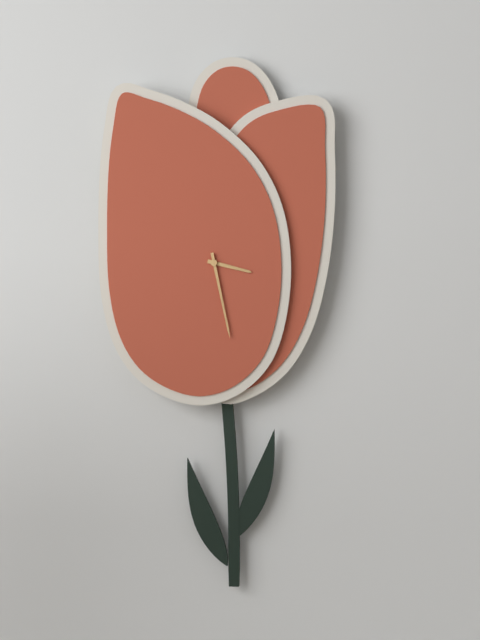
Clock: 3:28
